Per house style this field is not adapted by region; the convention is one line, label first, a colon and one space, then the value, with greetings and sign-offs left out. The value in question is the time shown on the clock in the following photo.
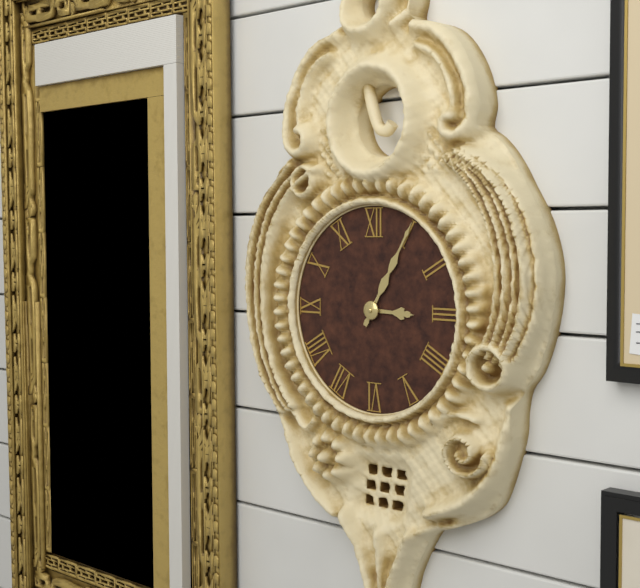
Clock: 3:05
